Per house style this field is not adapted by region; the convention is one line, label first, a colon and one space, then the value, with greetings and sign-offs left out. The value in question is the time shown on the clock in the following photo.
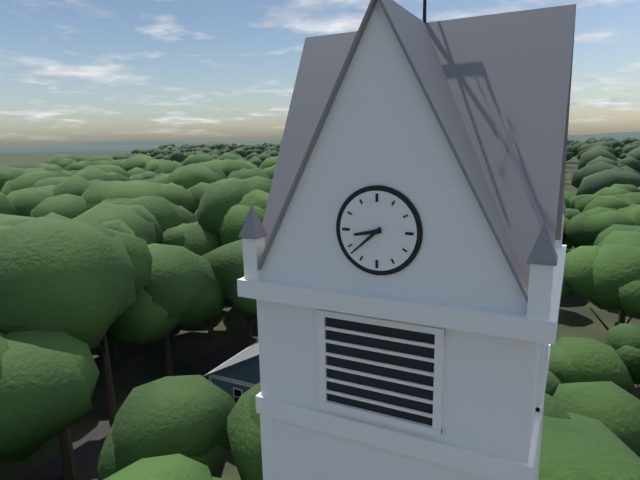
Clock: 8:38
